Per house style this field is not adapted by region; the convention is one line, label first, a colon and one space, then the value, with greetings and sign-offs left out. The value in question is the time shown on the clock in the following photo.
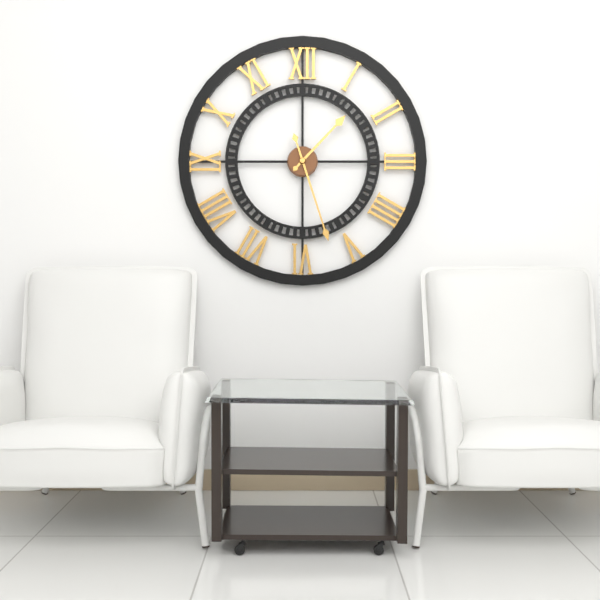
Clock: 1:27
